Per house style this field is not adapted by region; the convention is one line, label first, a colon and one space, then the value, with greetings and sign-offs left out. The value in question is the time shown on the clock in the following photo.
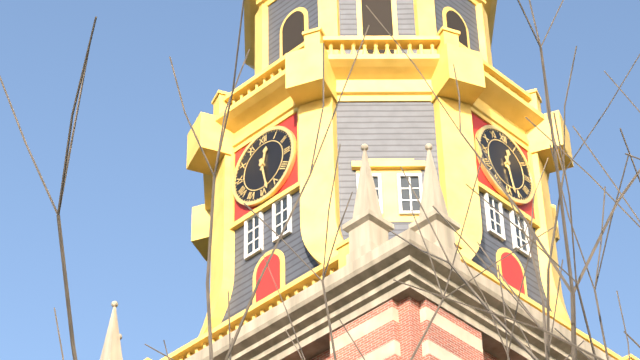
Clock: 12:28
